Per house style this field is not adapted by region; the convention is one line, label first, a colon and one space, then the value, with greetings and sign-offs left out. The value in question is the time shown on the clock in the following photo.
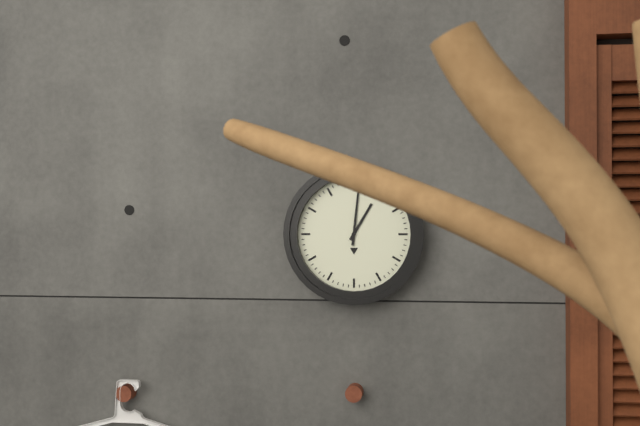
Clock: 1:01
